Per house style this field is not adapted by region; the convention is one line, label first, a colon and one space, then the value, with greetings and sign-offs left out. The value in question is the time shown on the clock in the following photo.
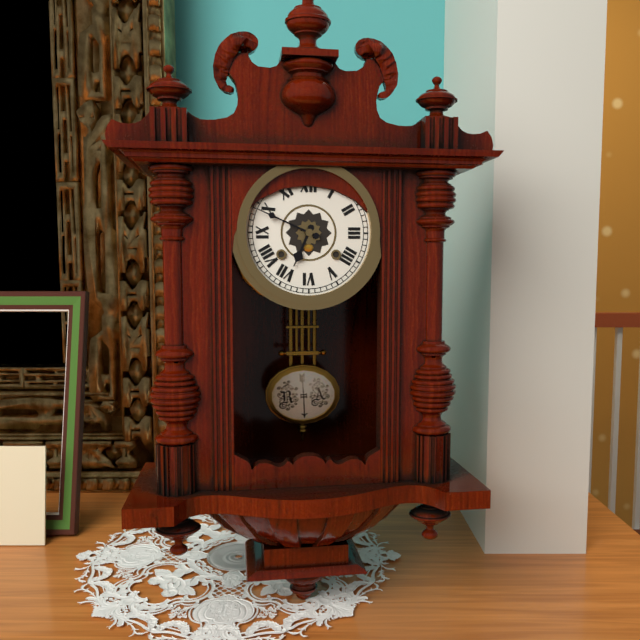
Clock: 6:49
